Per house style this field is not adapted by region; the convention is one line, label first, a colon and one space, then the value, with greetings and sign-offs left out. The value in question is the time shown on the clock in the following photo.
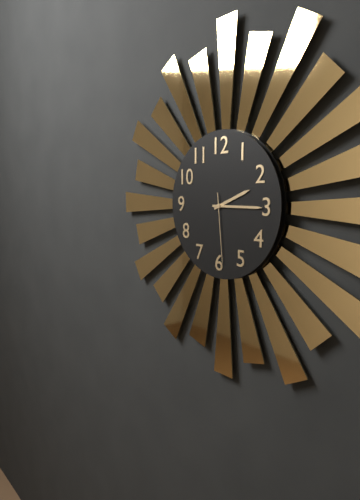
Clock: 2:15:29
